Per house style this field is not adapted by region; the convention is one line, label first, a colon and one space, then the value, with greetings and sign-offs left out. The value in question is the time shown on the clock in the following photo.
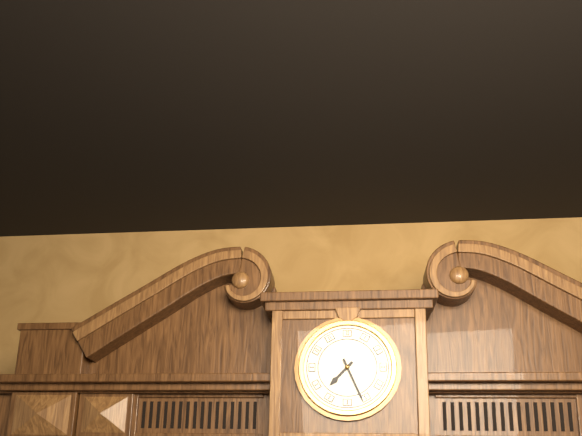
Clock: 7:26
